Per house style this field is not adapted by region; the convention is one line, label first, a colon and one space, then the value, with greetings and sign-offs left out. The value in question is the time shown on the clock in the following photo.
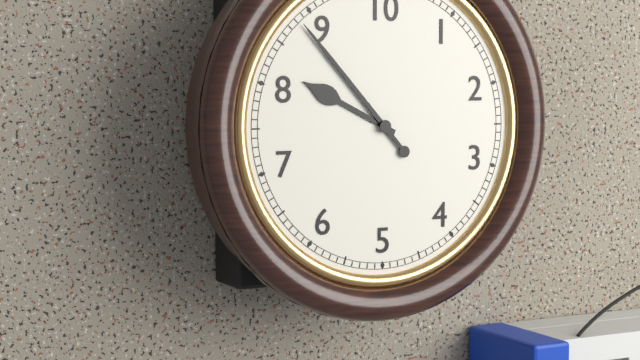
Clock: 9:53
